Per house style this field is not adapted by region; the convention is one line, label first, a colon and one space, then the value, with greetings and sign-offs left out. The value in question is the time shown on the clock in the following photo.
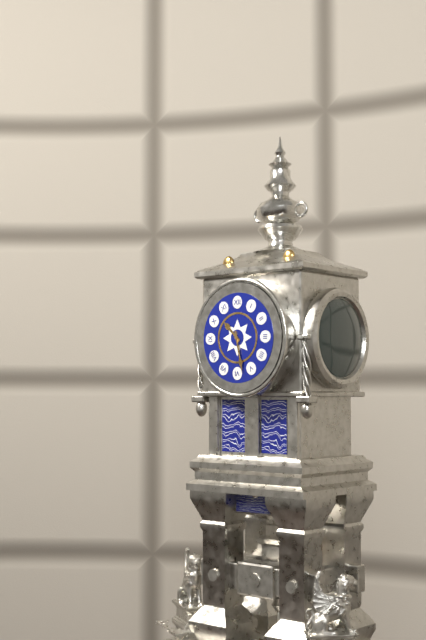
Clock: 10:28
